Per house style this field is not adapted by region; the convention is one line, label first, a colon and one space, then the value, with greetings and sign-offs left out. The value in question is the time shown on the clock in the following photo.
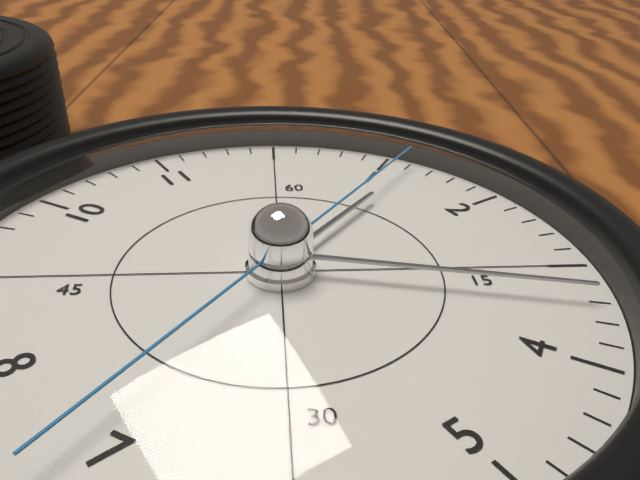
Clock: 1:17:06
